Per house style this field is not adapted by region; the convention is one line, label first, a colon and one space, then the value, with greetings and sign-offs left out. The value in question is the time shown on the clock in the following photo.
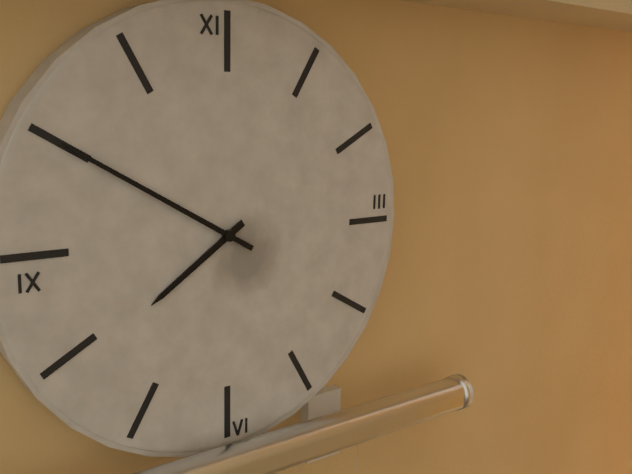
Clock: 7:50
